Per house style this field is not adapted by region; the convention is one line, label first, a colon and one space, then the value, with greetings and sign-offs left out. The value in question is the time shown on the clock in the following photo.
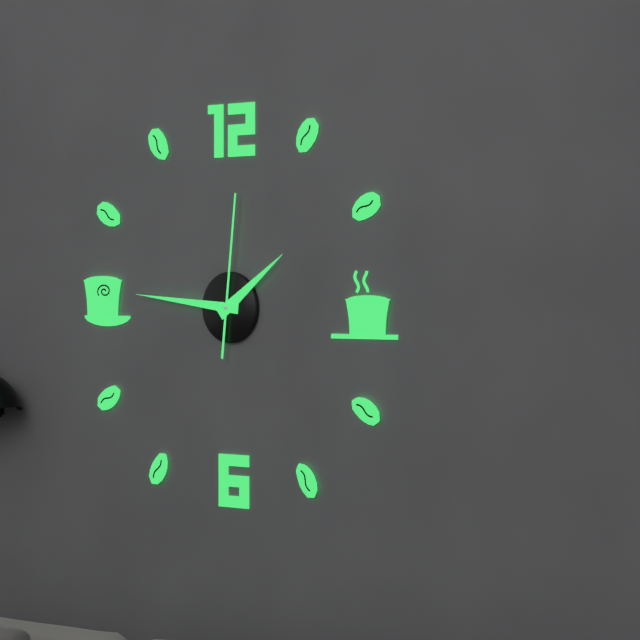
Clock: 1:46:01
